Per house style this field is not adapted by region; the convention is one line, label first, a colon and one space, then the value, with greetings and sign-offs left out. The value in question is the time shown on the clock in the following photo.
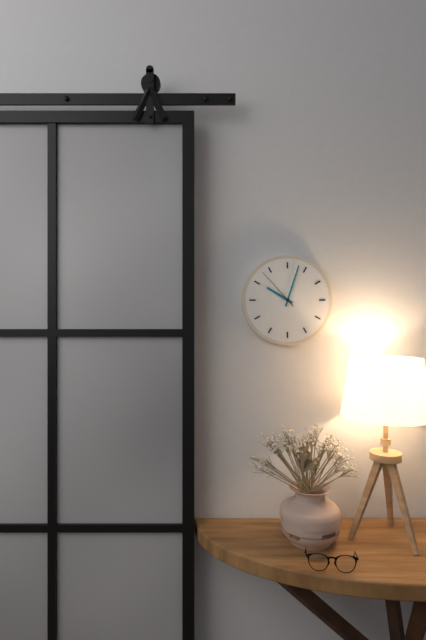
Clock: 10:03
